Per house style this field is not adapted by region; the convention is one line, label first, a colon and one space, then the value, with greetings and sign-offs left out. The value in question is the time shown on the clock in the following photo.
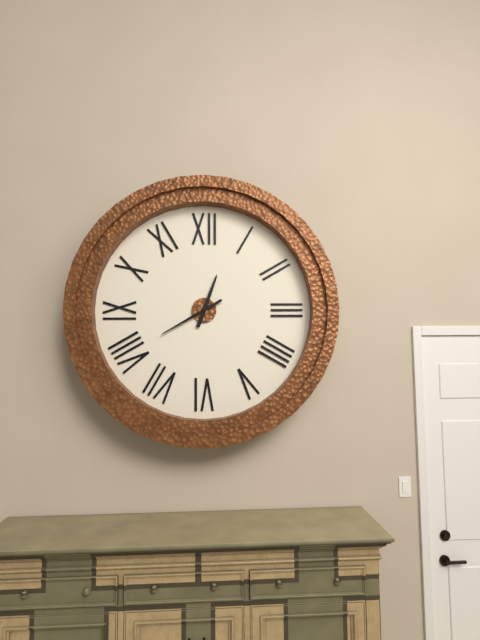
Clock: 12:40
